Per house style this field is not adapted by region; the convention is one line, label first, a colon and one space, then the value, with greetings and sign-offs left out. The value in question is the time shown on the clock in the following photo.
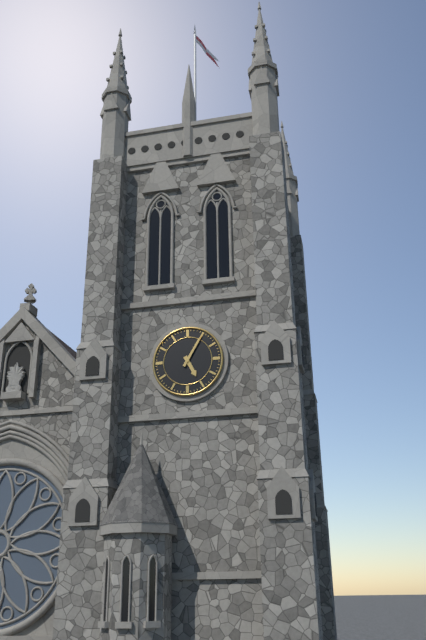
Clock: 5:05
